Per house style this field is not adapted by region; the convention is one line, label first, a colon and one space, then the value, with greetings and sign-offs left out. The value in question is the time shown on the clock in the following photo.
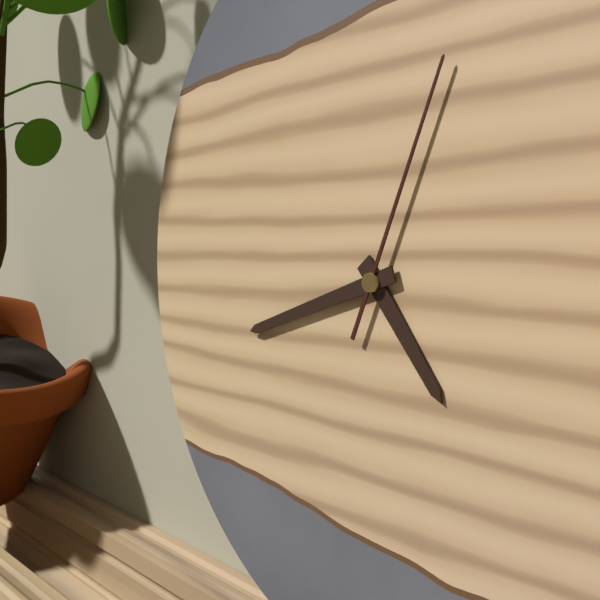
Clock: 4:42:04
